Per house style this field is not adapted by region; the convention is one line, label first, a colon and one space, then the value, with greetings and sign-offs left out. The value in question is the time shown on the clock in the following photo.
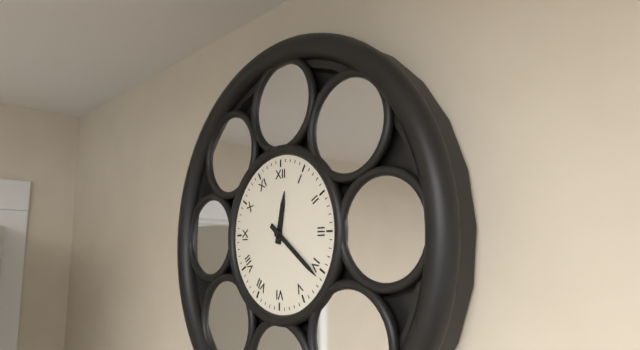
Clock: 12:21
